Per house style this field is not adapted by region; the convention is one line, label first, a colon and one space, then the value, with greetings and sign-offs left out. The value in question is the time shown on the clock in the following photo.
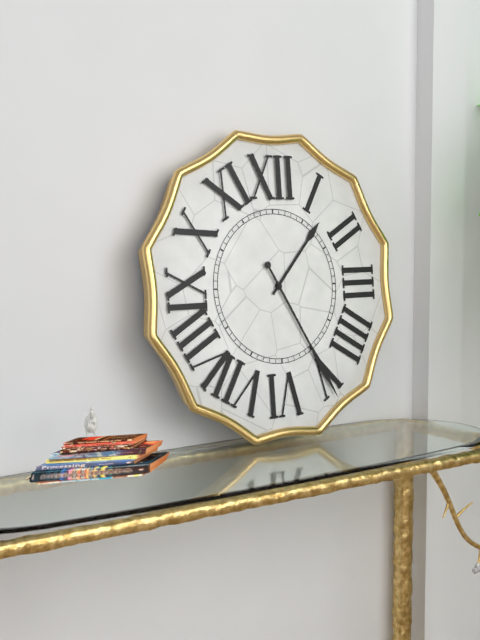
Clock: 1:25
